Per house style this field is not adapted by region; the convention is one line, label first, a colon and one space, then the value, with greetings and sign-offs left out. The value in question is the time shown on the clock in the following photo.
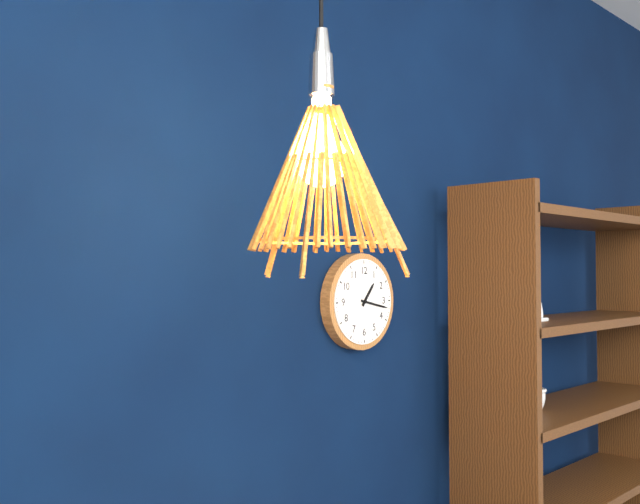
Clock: 1:17
